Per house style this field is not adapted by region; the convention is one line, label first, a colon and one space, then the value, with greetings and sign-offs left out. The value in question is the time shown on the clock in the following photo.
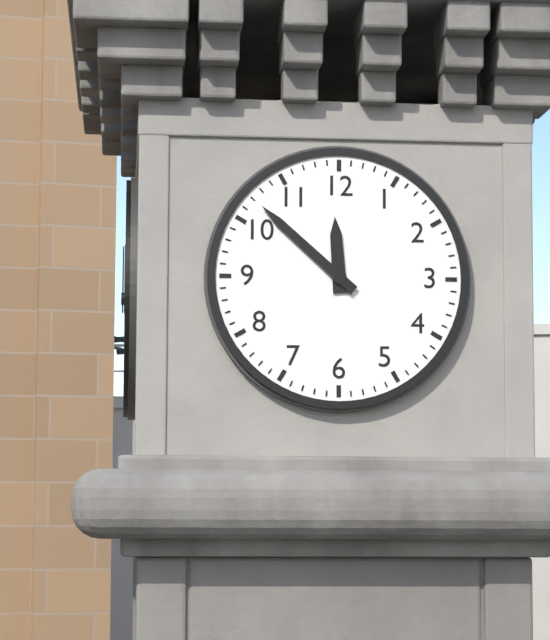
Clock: 11:52
